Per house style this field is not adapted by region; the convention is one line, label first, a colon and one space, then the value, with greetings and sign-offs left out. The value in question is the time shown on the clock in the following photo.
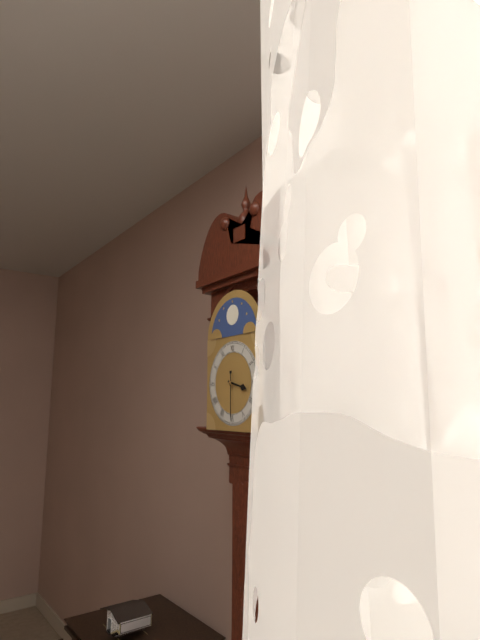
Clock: 3:30
